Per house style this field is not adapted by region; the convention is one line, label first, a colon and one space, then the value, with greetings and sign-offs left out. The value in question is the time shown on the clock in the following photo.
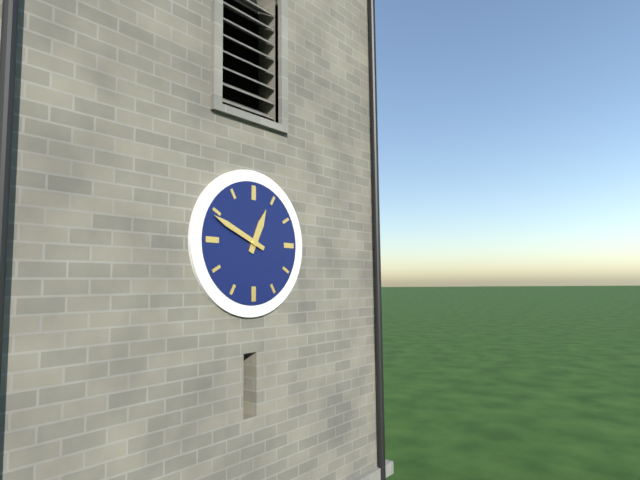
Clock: 12:49
